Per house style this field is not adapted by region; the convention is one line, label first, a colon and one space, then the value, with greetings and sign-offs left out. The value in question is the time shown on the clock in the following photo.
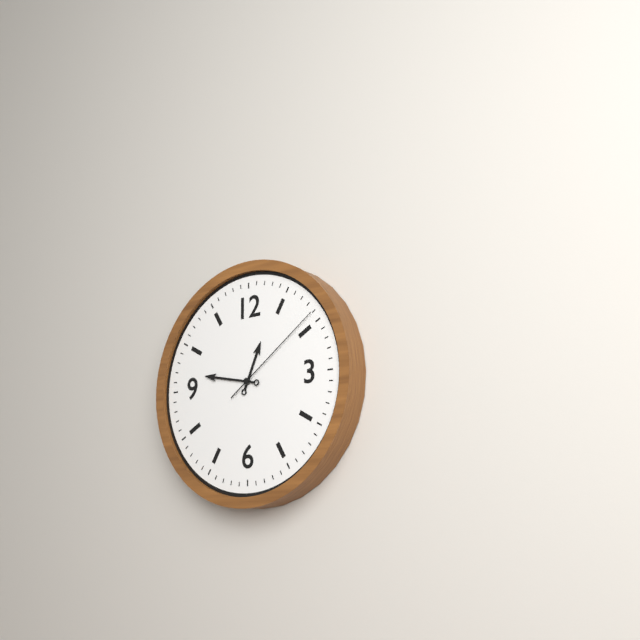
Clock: 12:47:09
